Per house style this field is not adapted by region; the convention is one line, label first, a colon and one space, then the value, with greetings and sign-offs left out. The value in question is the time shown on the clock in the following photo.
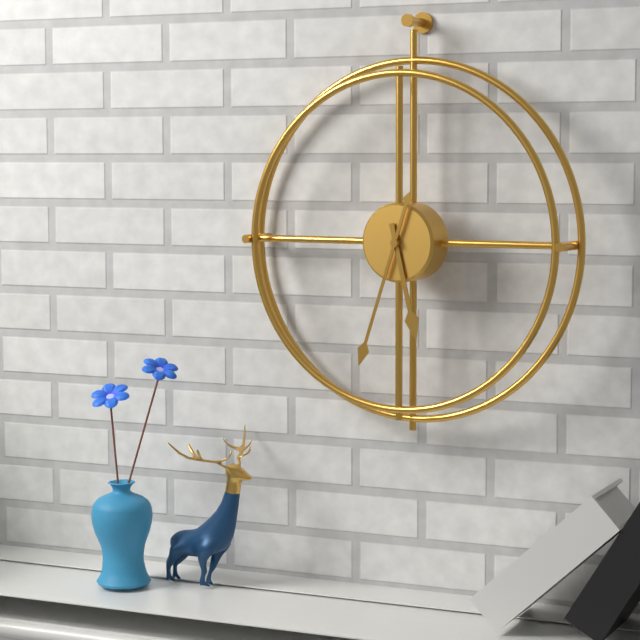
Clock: 5:33
